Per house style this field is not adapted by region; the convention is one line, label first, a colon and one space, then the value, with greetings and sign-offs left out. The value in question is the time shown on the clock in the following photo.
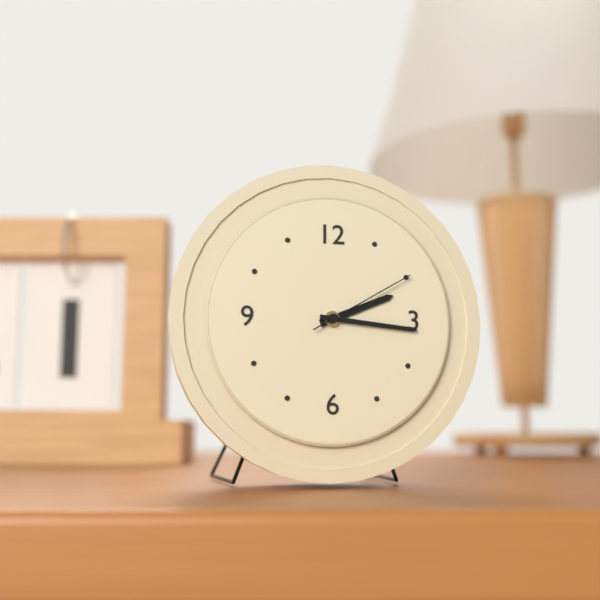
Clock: 2:16:10
